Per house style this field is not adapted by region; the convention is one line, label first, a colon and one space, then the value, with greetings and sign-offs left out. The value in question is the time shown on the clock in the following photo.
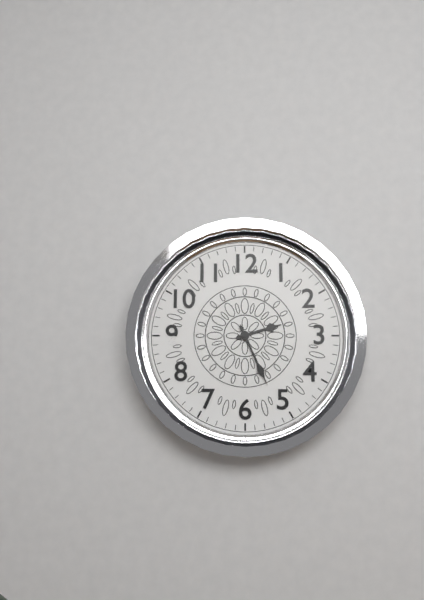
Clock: 2:26
